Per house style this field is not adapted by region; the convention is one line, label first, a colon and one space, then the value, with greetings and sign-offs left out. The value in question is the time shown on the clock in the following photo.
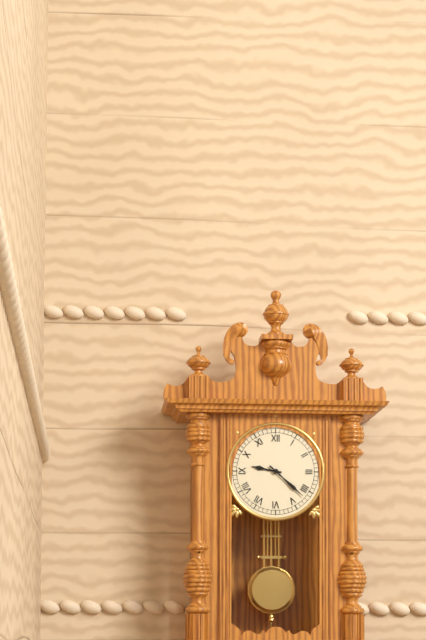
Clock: 9:22
